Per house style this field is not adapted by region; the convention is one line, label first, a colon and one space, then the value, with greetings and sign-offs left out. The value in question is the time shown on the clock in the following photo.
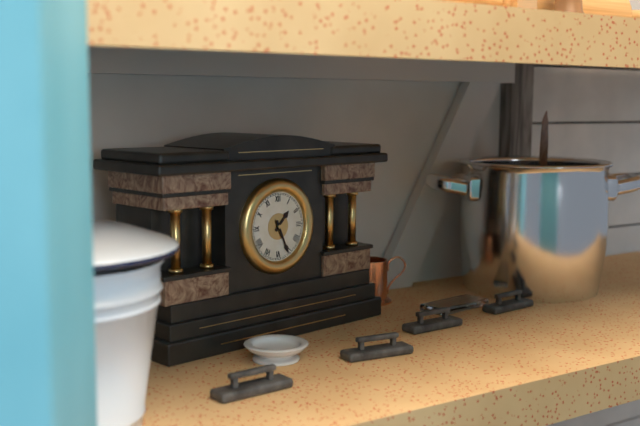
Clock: 1:26
